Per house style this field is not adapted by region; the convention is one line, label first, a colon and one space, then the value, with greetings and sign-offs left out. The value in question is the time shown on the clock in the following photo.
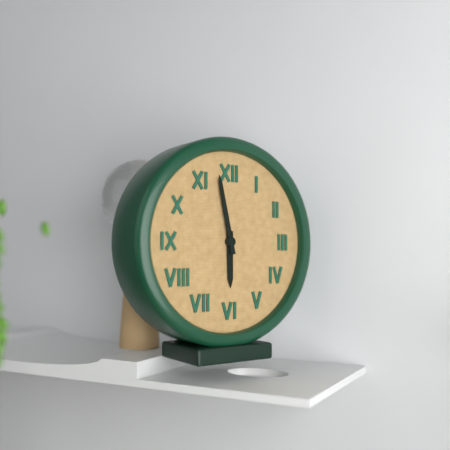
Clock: 5:58
